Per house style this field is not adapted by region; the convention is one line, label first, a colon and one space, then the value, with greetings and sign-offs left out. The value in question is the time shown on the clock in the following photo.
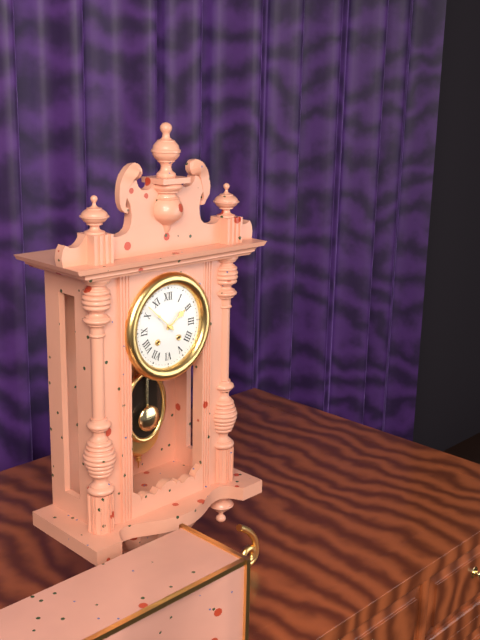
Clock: 1:52
